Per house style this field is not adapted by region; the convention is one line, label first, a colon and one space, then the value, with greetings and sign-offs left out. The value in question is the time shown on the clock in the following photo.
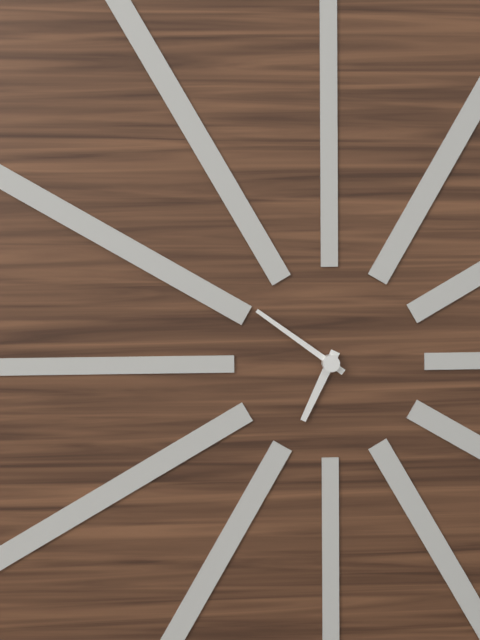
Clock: 6:51
